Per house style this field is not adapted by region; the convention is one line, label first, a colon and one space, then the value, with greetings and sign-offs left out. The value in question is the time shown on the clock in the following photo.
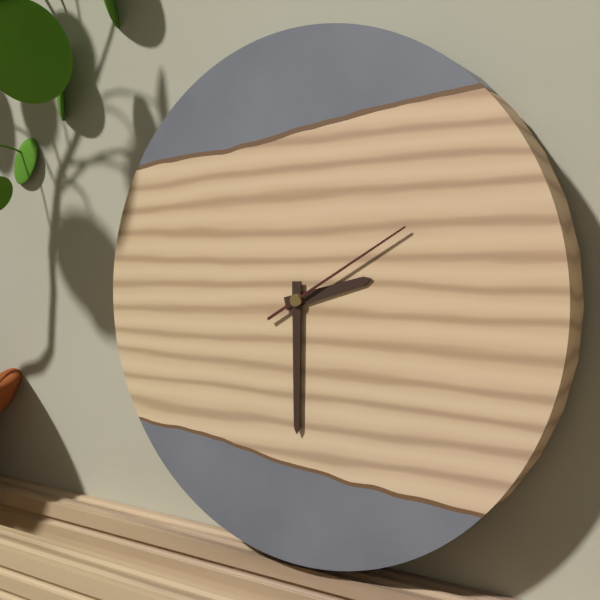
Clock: 2:30:10
